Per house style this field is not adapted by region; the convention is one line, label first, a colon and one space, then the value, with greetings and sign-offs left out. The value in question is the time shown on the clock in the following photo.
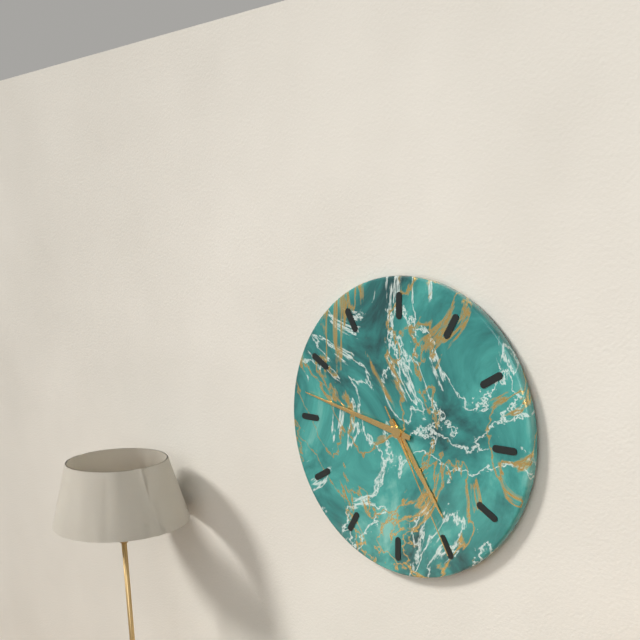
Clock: 4:47:25
